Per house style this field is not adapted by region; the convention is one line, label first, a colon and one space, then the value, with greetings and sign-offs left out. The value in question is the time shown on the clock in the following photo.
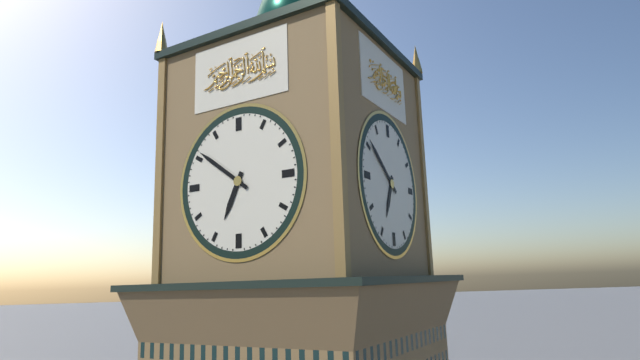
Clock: 6:51
